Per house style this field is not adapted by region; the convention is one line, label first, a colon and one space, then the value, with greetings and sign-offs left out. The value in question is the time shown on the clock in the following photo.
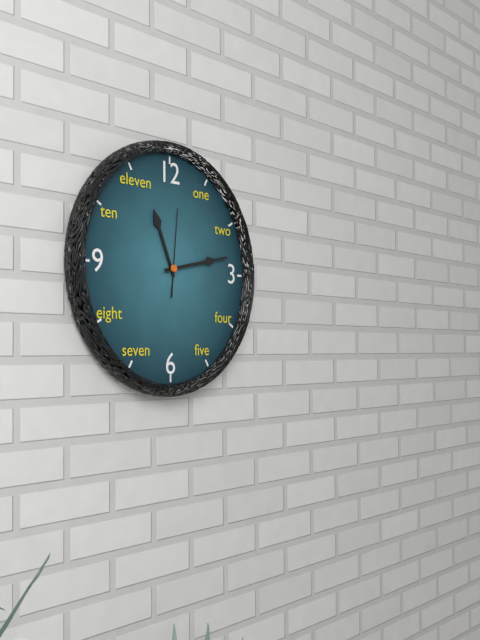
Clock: 11:13:01
